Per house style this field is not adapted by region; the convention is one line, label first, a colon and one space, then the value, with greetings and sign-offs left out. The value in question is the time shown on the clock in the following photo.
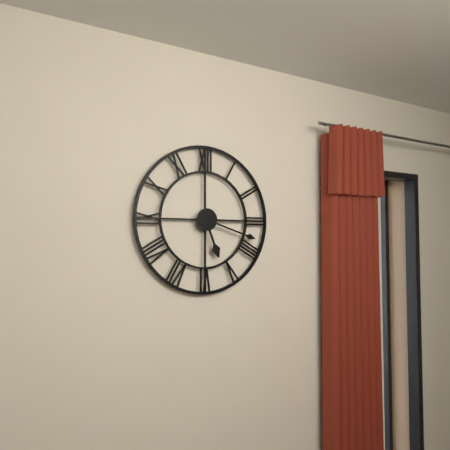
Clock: 5:18
